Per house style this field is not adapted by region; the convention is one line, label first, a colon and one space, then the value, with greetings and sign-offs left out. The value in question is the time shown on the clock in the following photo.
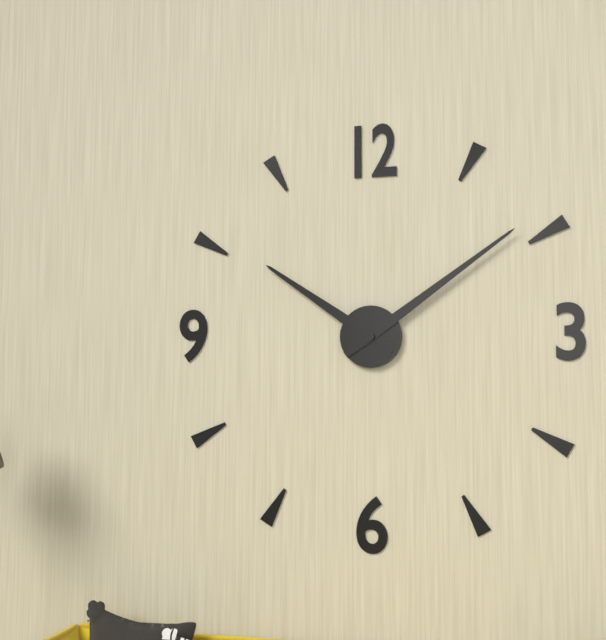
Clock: 10:09
